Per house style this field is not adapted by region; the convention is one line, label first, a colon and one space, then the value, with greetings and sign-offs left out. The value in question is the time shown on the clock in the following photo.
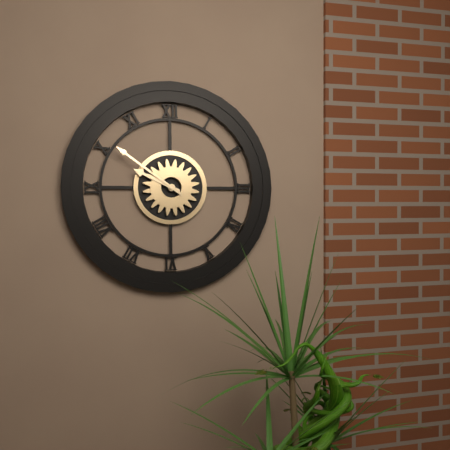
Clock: 9:51
